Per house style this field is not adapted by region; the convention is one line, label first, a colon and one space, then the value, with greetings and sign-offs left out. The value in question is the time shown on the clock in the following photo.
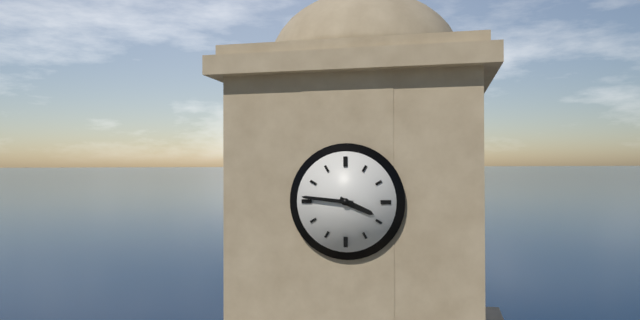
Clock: 3:46
